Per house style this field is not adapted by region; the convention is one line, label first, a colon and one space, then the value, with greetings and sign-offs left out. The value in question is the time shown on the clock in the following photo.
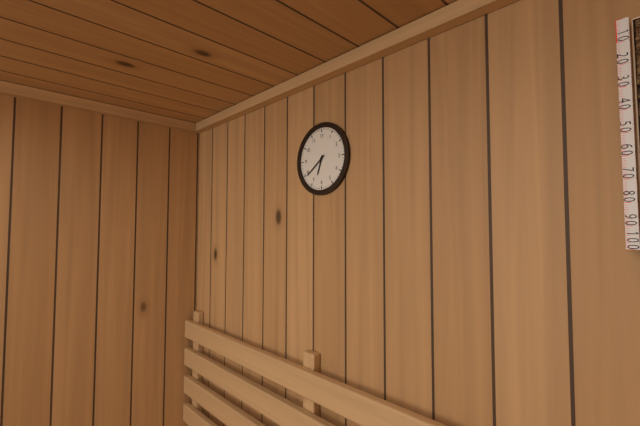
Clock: 6:39
